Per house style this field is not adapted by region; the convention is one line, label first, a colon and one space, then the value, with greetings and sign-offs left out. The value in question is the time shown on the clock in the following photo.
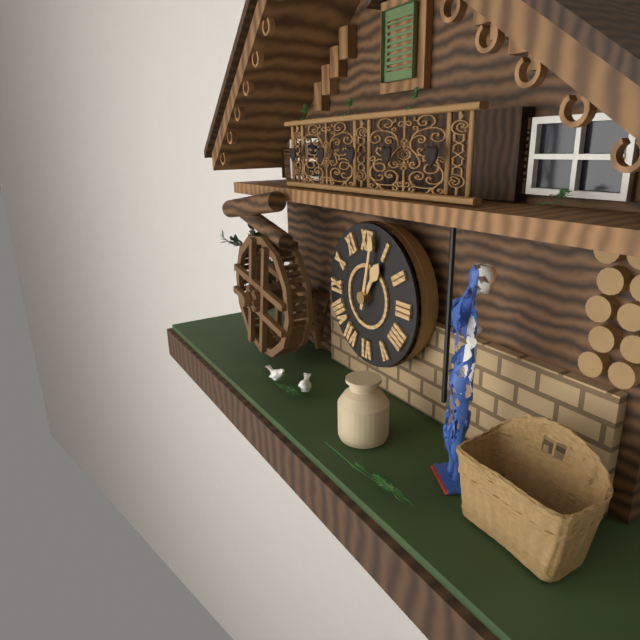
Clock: 1:02
